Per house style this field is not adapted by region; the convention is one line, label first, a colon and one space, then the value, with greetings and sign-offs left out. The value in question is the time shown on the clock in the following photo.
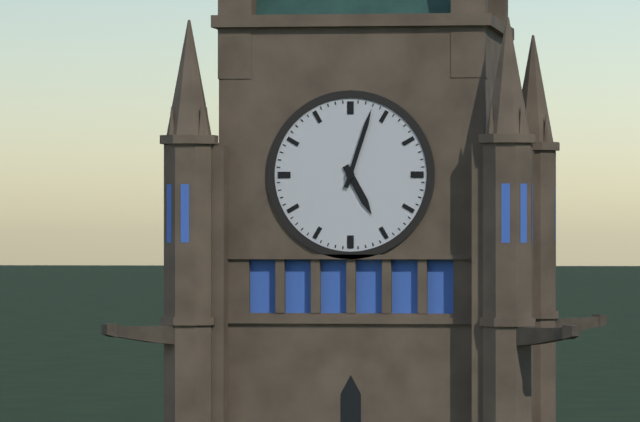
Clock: 5:03
